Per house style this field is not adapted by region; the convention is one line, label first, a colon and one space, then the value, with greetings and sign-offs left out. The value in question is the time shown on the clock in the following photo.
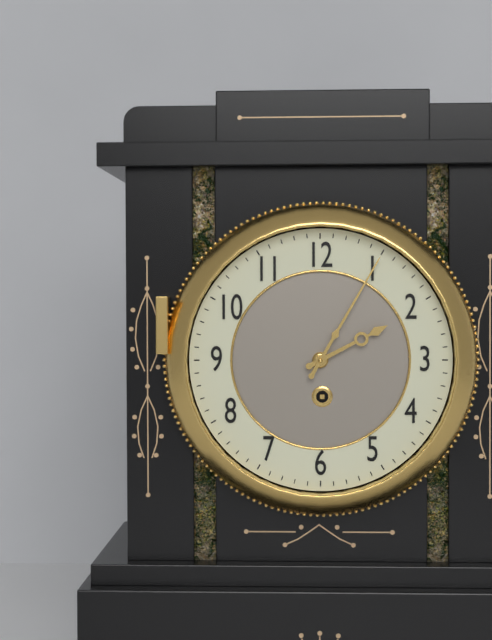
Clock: 2:05
